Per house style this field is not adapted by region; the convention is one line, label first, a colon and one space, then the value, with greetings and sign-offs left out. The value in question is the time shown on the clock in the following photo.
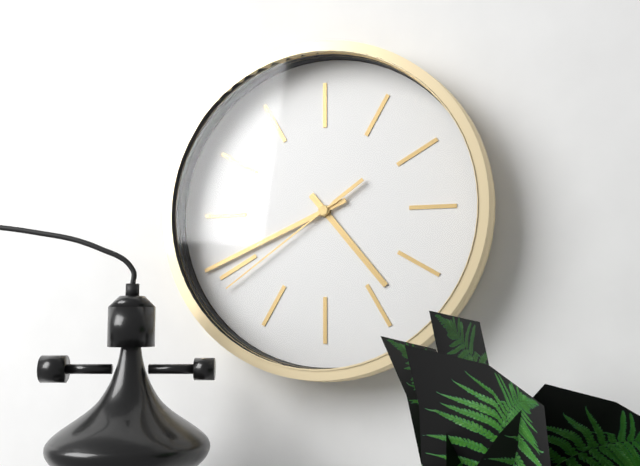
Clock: 4:41:39
